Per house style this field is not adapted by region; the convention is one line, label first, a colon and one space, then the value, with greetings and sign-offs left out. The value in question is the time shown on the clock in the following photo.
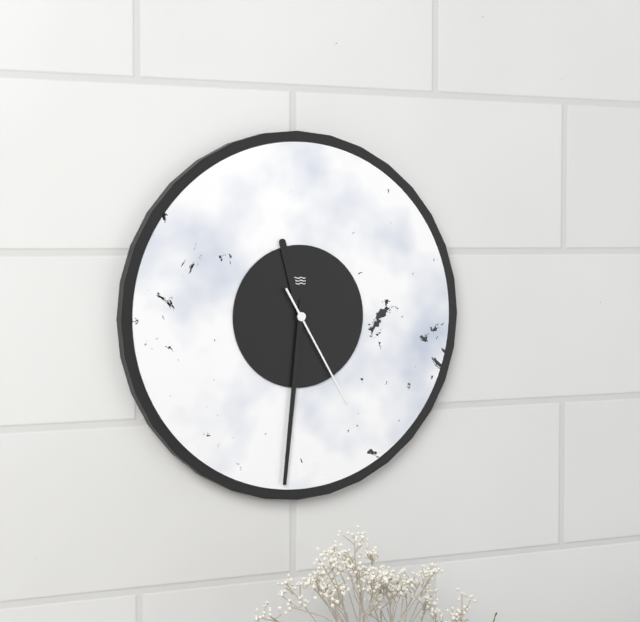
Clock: 11:31:25
